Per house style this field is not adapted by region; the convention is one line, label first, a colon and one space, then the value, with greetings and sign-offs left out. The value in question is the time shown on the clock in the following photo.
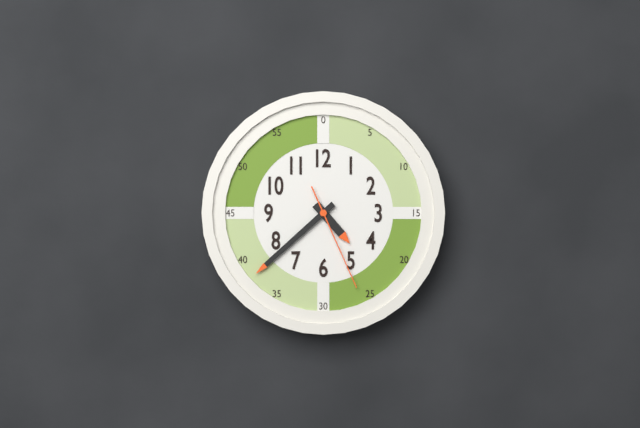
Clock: 4:38:26
